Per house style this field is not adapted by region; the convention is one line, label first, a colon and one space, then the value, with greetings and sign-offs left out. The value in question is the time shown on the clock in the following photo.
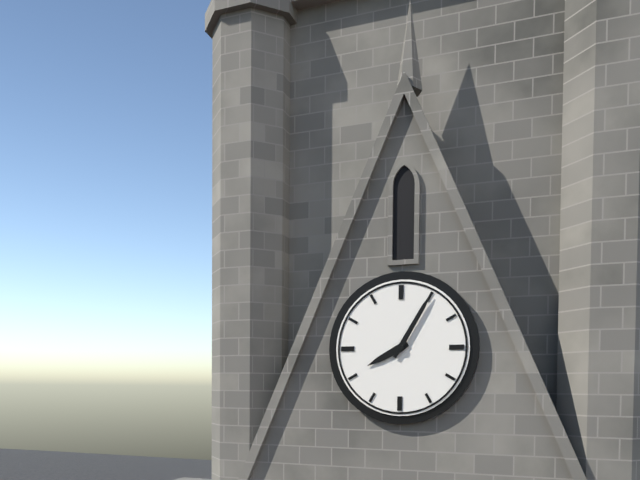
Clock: 8:05
